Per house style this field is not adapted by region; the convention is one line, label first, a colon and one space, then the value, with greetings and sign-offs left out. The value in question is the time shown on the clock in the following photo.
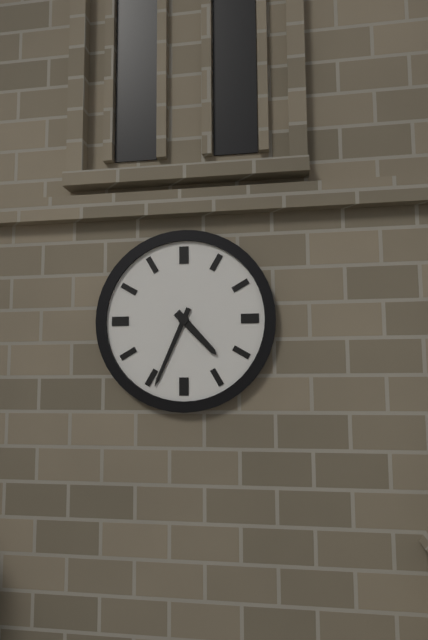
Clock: 4:34
